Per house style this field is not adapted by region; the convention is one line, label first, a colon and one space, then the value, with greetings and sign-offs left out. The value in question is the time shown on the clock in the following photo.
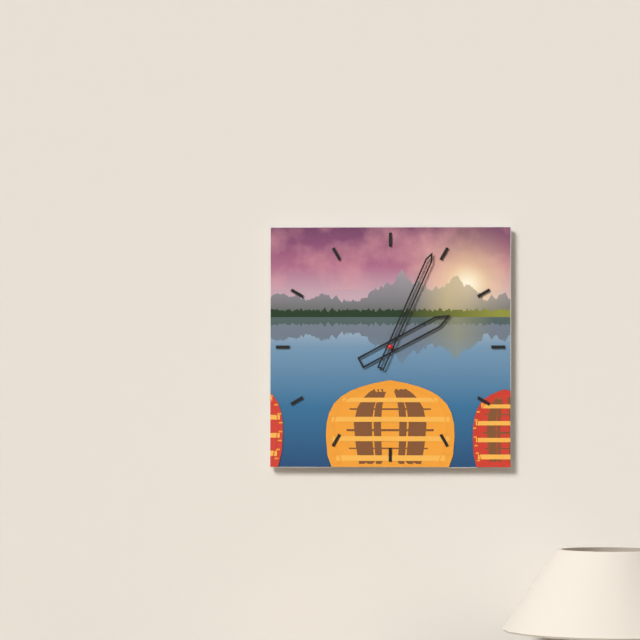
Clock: 2:04
